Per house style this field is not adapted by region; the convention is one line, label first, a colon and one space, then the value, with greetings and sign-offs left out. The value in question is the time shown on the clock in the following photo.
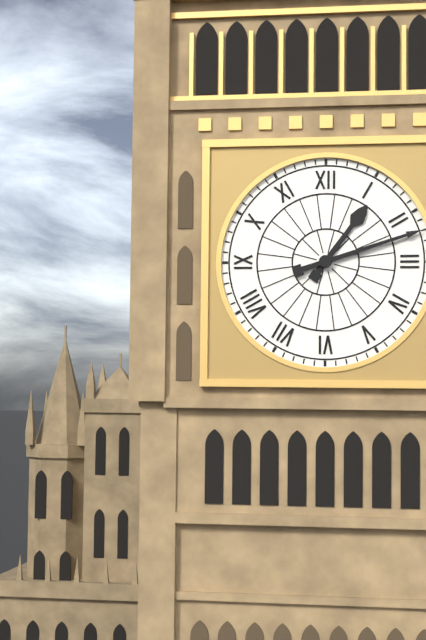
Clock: 1:12
